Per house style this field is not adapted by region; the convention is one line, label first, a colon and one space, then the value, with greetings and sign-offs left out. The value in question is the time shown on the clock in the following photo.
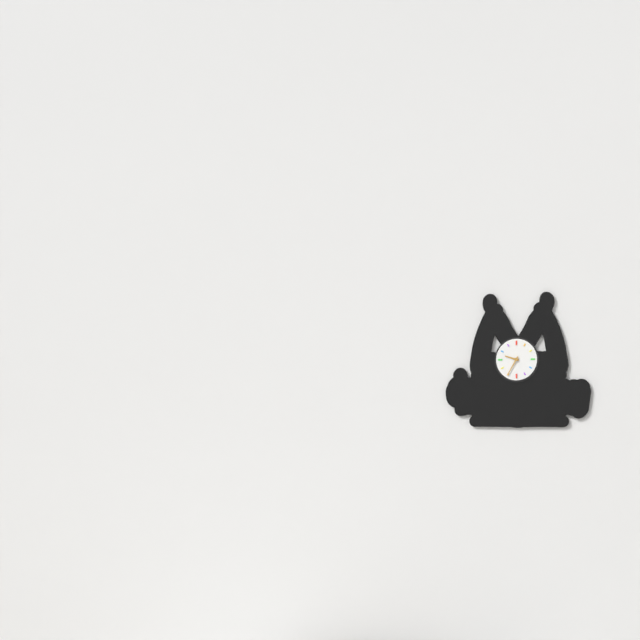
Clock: 9:35
